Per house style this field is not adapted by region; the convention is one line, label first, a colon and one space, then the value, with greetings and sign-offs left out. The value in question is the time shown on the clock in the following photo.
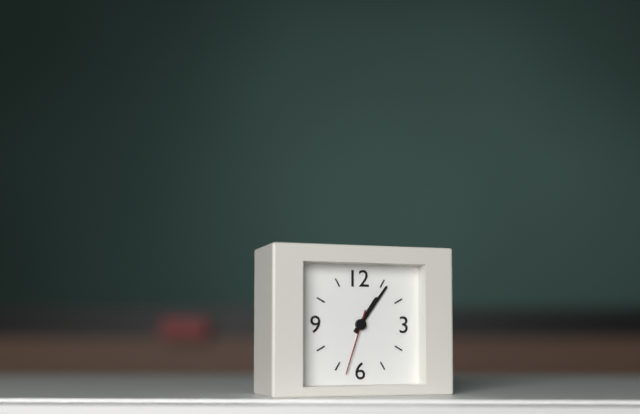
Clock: 1:06:33
